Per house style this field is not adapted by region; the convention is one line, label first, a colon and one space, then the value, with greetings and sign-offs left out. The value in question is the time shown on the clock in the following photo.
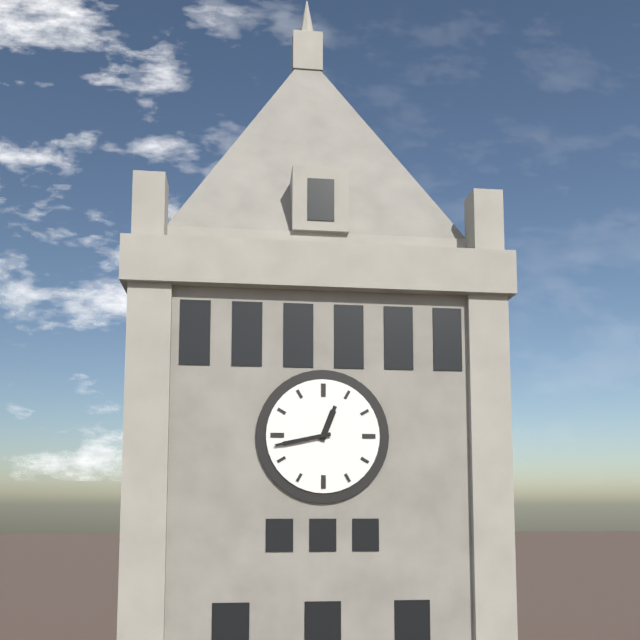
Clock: 12:43
